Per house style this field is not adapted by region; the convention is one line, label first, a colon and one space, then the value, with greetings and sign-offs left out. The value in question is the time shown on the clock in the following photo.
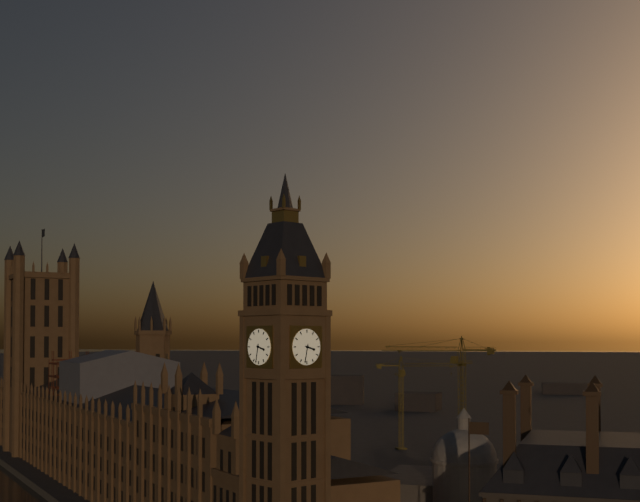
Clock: 3:32
